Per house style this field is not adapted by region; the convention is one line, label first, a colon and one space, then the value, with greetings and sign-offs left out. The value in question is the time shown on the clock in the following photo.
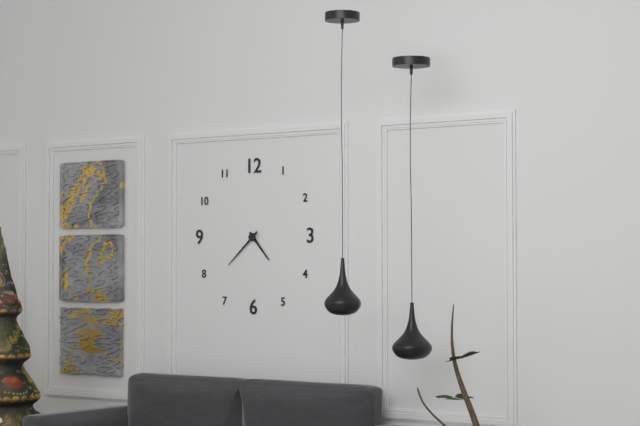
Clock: 4:38
